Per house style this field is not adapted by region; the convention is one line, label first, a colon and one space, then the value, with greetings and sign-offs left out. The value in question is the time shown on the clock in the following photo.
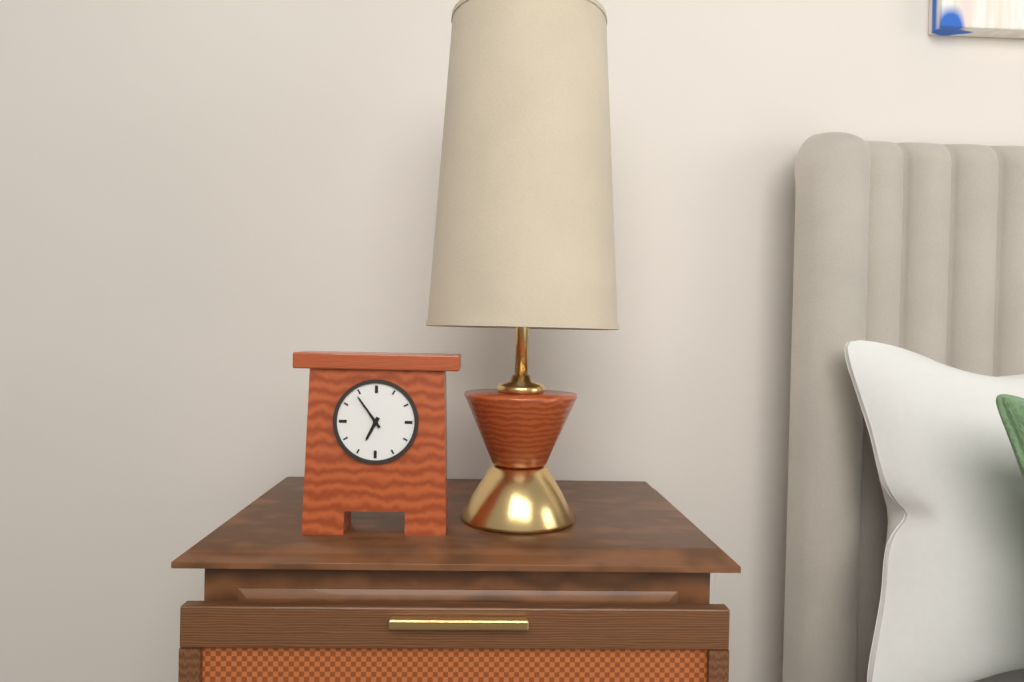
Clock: 6:54
